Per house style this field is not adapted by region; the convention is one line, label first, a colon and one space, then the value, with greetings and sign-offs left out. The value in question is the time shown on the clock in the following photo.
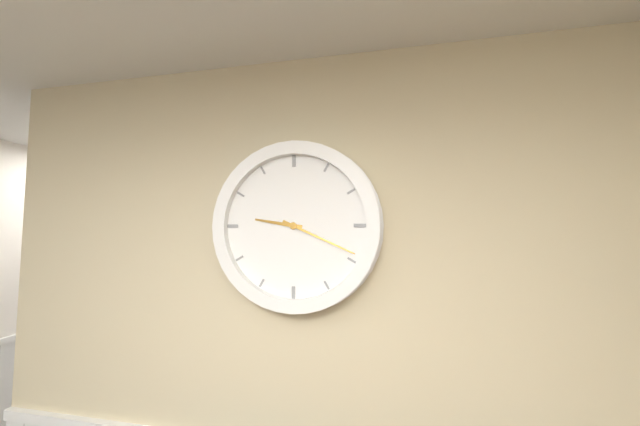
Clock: 9:19
